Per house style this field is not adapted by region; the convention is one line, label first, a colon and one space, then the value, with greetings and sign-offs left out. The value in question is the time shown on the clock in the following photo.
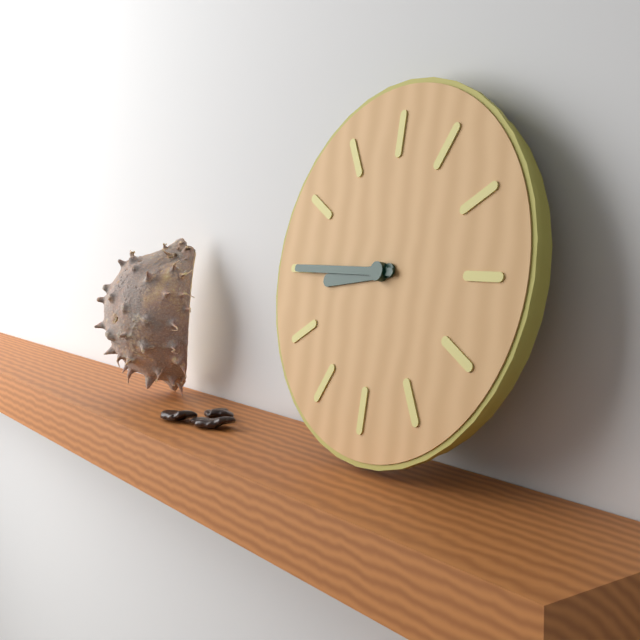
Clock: 8:45
